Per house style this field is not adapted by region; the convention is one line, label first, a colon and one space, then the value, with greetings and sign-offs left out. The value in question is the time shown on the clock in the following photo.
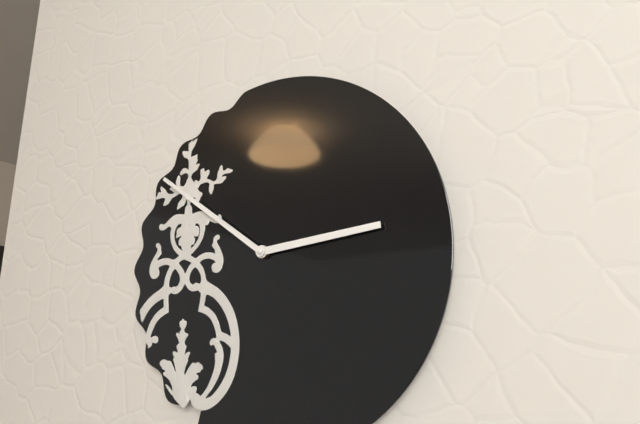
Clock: 2:51
